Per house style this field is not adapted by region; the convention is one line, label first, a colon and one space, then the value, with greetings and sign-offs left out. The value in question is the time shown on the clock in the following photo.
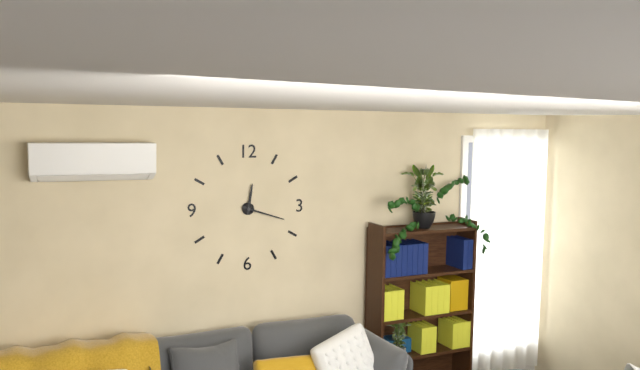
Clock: 12:18
